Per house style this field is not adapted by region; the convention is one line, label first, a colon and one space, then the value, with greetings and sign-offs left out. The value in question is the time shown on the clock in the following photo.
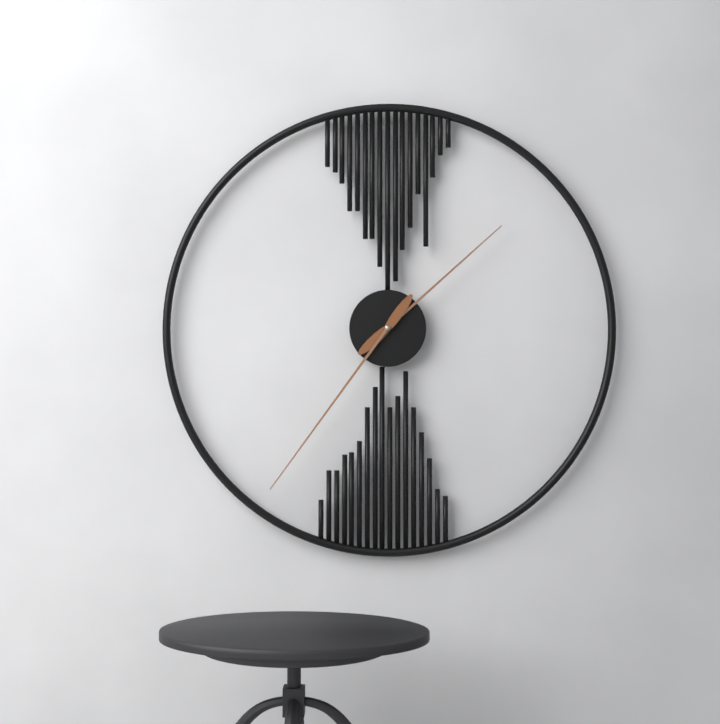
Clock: 1:36
